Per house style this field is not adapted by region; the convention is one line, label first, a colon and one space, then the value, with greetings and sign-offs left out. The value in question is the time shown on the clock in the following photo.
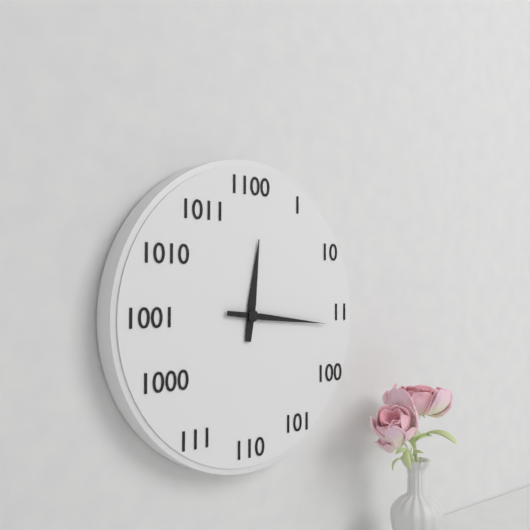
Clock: 12:16
